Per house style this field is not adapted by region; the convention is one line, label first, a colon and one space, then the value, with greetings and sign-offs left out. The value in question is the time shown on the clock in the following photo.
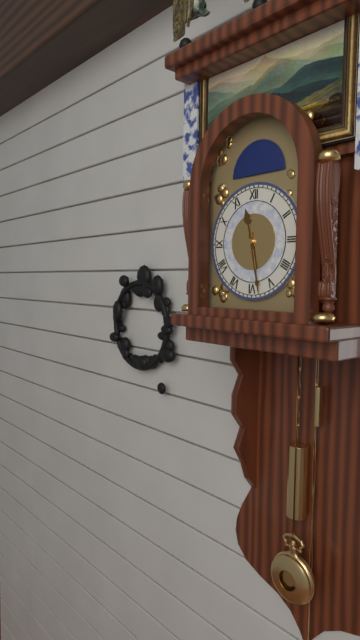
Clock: 11:28
